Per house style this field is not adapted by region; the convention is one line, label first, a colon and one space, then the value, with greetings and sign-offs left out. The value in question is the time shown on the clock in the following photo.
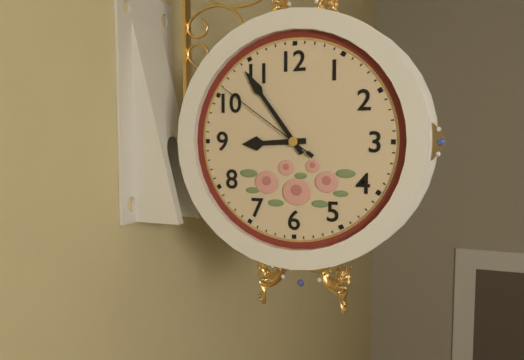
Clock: 8:54:51
